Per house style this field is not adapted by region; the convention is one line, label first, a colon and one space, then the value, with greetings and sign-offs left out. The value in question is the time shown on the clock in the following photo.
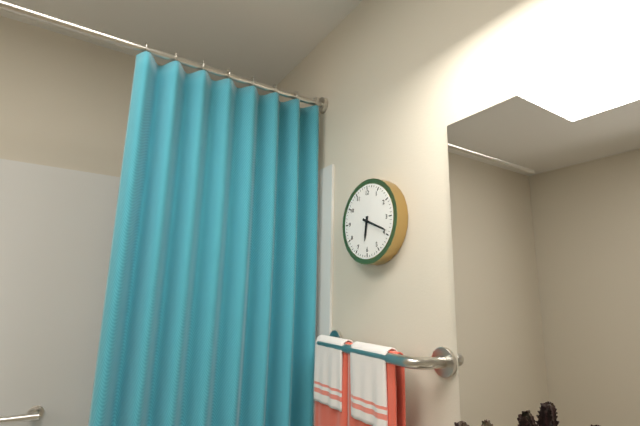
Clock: 6:19
